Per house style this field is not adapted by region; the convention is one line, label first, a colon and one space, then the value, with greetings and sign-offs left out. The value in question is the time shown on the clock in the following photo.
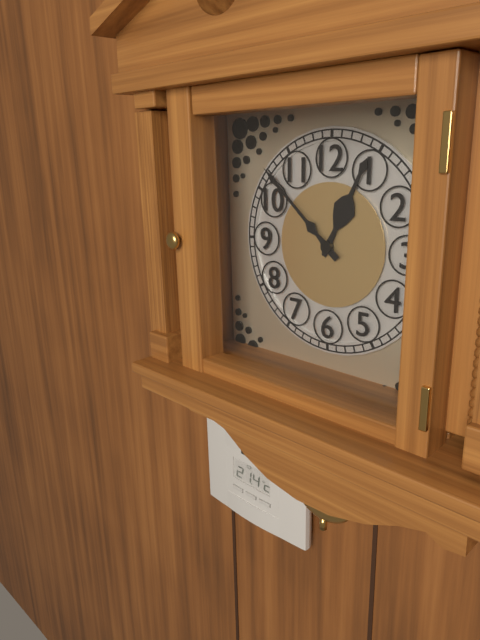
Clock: 12:52
